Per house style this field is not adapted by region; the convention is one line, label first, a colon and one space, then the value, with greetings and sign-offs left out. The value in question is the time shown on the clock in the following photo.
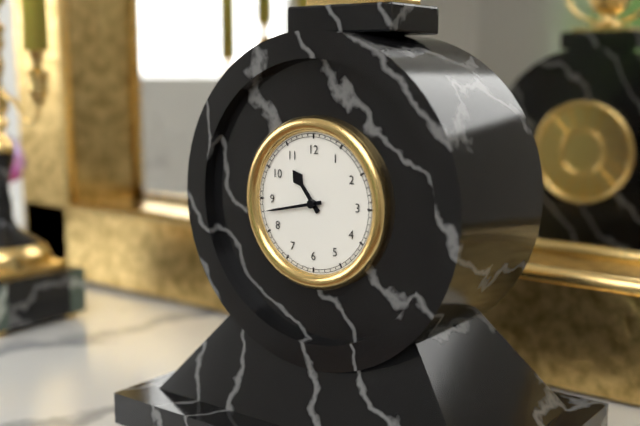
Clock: 10:43
